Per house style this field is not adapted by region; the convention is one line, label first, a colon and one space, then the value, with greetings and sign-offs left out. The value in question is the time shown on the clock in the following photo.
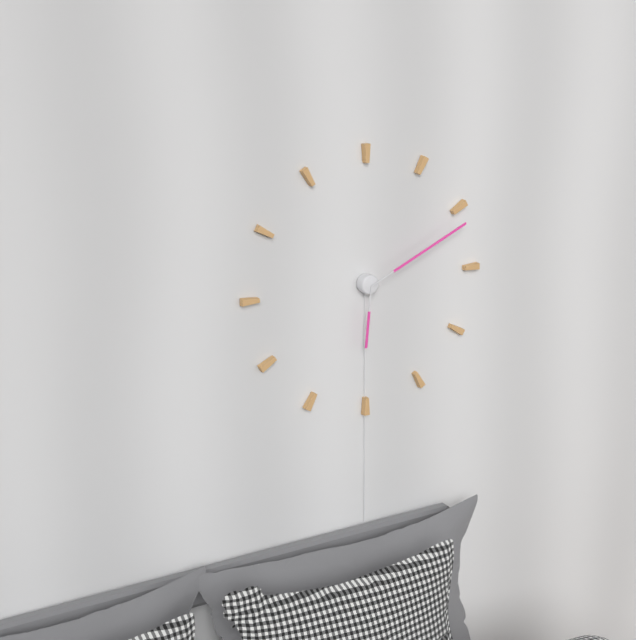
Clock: 6:11
